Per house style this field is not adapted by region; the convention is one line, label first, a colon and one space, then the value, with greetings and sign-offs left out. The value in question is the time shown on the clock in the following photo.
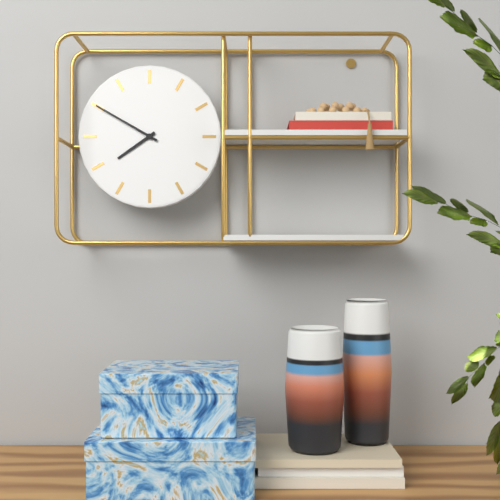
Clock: 7:50
